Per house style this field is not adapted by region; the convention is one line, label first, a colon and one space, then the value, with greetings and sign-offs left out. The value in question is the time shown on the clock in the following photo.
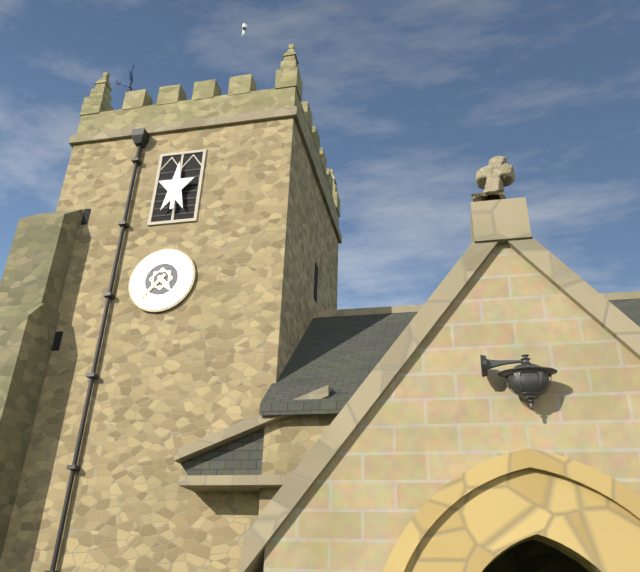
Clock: 4:37
